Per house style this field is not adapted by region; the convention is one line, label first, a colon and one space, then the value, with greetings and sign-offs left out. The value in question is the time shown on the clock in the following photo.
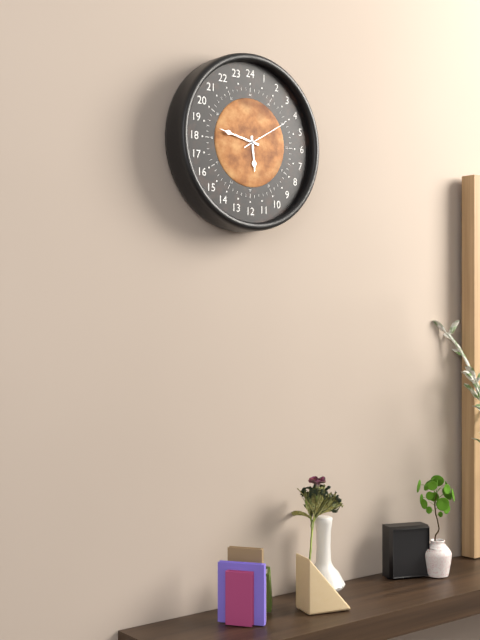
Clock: 5:47:10
